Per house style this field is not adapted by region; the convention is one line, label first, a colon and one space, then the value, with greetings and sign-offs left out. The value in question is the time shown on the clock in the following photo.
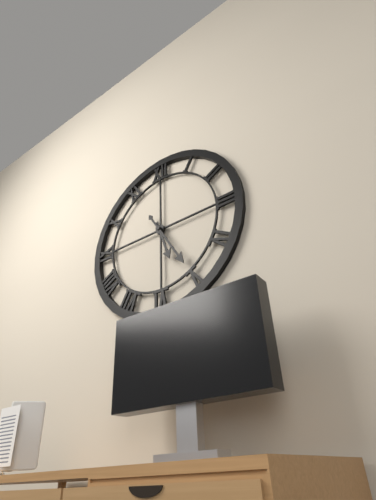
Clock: 5:25
